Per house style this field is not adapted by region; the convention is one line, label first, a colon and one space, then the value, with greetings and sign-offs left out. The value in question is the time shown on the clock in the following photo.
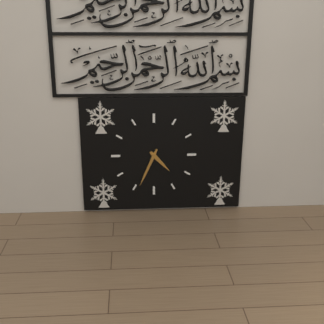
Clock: 4:34
